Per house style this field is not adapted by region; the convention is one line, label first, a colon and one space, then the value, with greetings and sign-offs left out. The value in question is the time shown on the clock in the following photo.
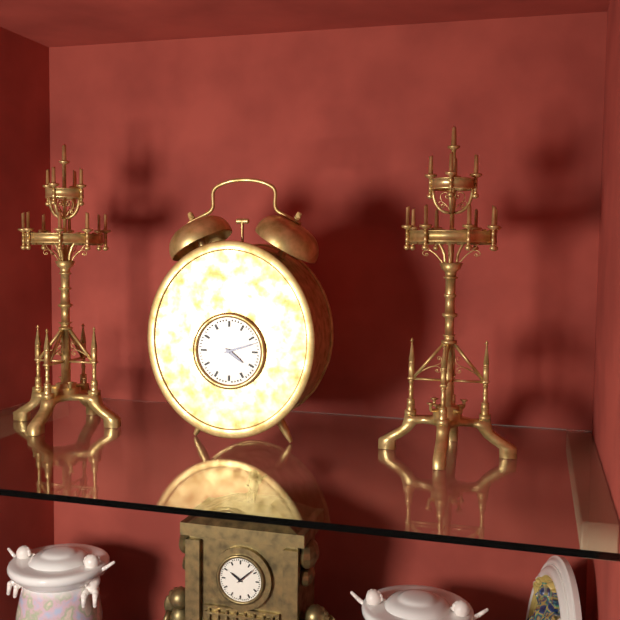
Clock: 4:12
